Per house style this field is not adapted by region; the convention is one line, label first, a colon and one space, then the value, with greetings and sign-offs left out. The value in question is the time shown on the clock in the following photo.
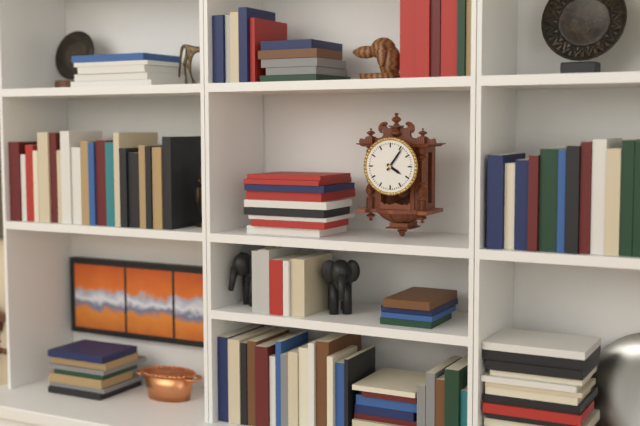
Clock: 4:06
